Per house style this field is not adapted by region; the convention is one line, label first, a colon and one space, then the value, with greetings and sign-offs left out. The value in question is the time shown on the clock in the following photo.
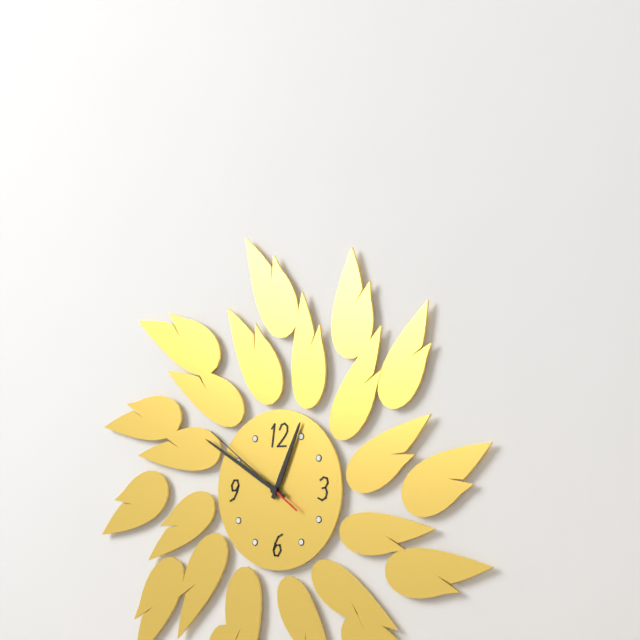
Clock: 12:50:51
